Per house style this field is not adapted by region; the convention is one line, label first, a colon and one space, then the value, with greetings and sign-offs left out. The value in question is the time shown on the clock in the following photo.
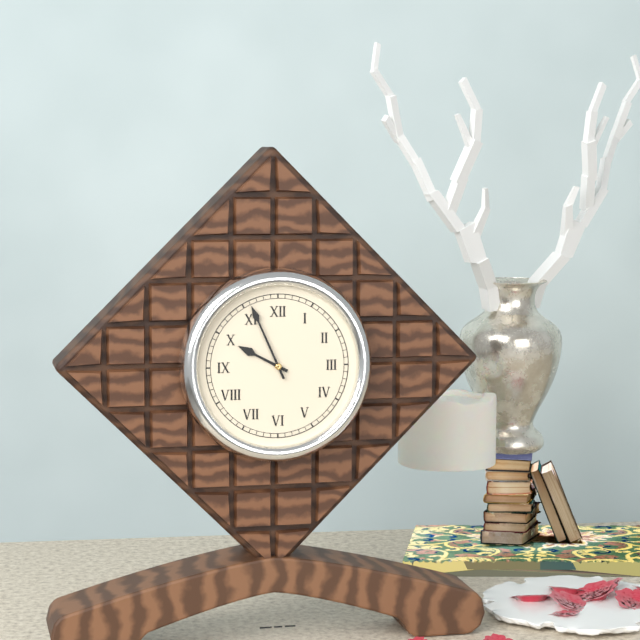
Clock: 9:56
